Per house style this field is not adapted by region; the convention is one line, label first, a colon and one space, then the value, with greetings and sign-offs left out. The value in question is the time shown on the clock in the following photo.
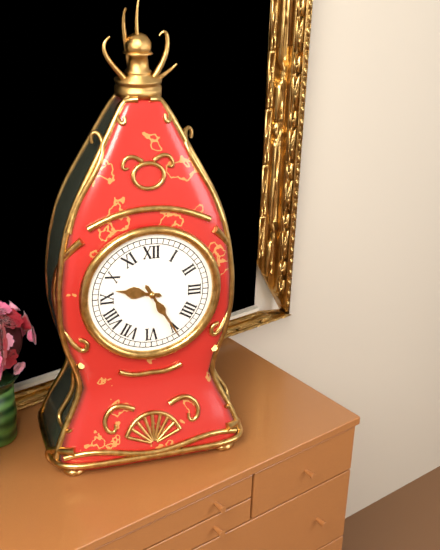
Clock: 9:25
